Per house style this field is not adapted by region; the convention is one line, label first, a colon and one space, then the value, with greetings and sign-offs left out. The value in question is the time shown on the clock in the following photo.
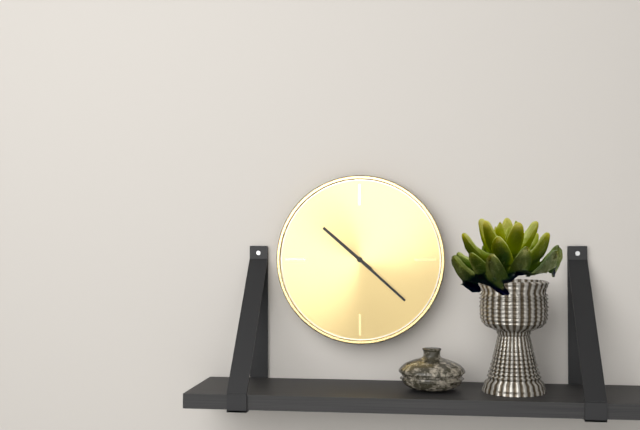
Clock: 10:22
